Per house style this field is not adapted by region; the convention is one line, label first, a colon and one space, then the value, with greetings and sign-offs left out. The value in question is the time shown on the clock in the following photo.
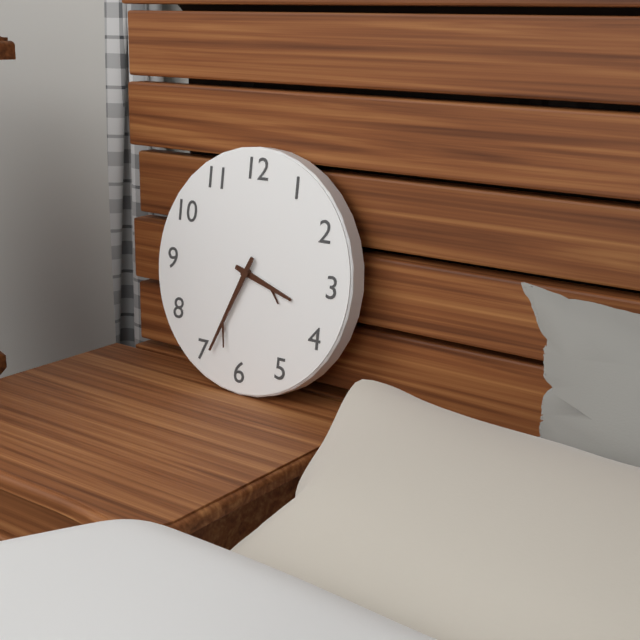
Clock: 3:34
